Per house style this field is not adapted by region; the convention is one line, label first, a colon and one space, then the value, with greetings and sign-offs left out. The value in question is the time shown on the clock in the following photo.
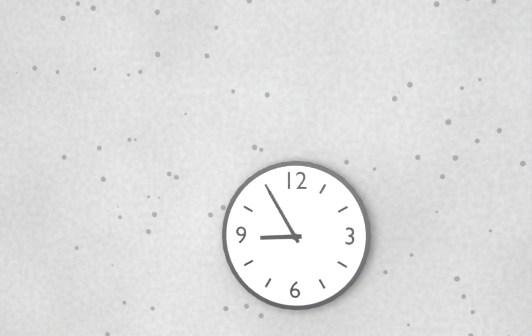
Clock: 8:55
